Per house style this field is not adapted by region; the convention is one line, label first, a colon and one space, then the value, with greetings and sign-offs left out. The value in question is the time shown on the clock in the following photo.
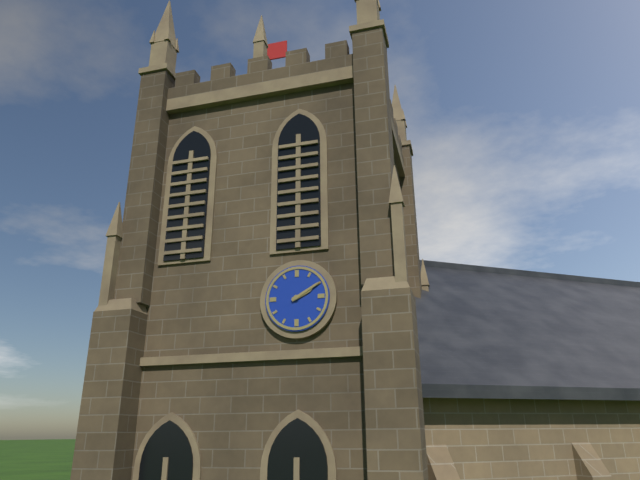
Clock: 2:10
